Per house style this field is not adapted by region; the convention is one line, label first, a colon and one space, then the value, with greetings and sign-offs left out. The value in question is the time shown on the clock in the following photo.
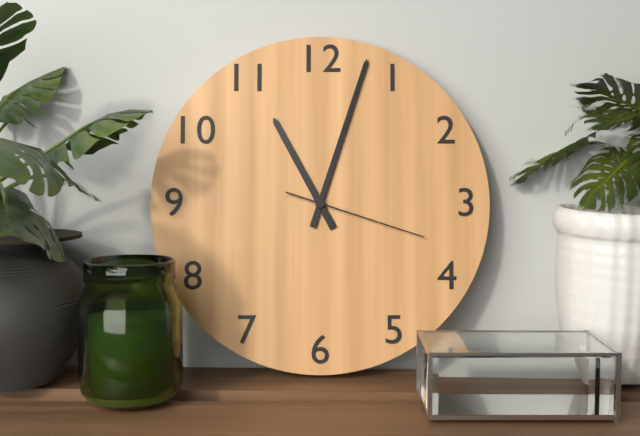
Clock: 11:03:18
